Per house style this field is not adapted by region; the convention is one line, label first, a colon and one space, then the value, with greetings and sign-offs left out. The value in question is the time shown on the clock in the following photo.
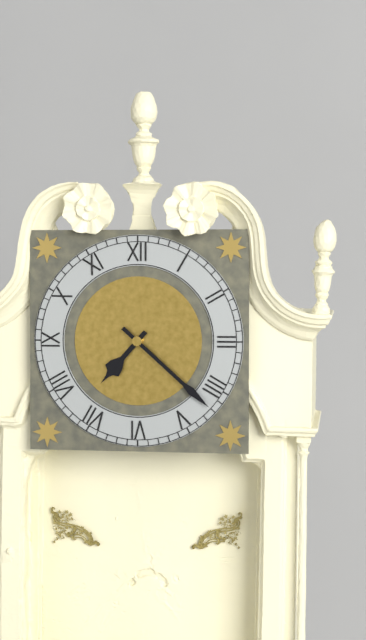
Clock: 7:22
